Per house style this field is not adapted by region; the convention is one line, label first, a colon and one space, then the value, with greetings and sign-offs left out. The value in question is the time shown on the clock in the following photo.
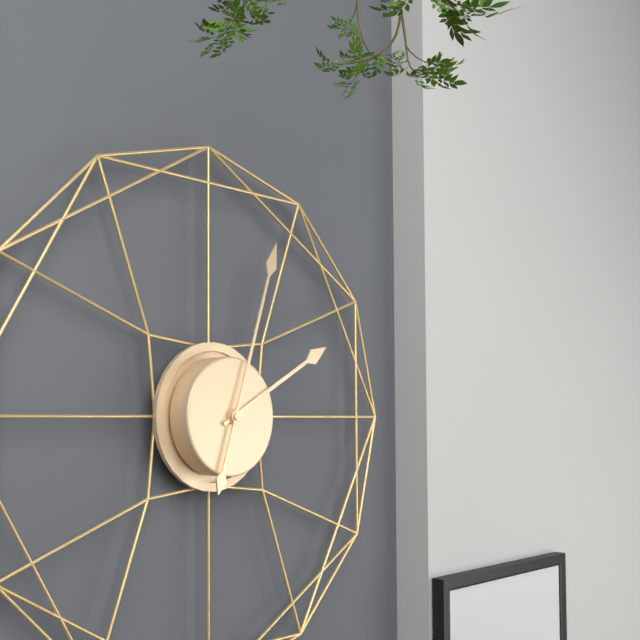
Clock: 2:03
